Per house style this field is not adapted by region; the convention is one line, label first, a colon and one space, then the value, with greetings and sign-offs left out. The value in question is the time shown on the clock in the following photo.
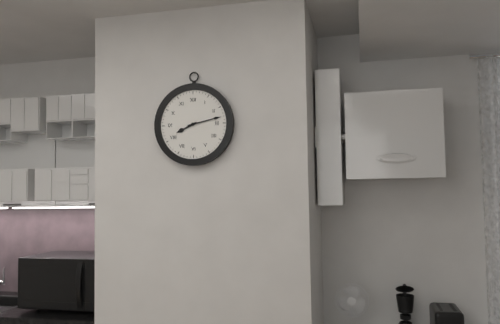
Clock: 8:13
